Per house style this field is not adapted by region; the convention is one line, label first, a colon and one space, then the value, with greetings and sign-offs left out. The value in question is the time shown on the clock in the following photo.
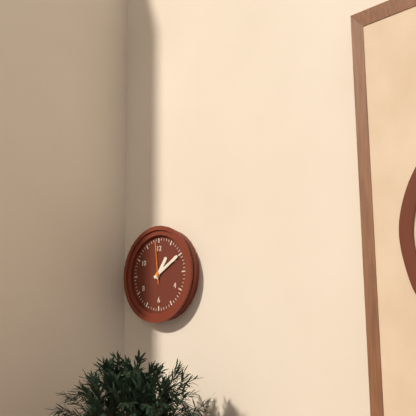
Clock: 1:10
